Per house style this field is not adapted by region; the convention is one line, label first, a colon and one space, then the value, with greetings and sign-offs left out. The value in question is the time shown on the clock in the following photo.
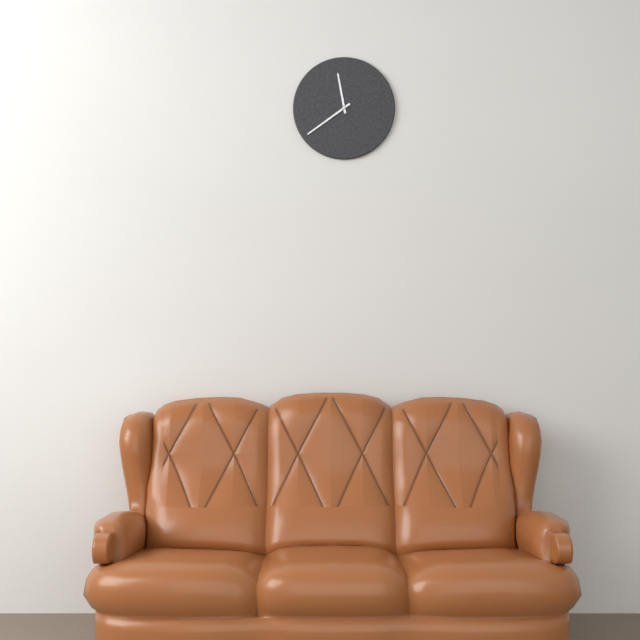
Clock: 11:39
